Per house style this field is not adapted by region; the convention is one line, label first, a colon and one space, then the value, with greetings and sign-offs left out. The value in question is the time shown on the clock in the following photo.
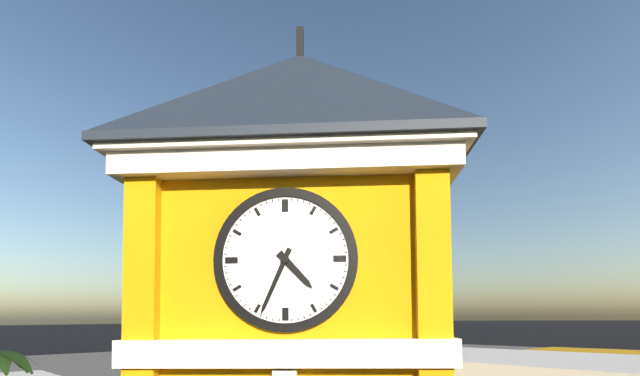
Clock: 4:34
